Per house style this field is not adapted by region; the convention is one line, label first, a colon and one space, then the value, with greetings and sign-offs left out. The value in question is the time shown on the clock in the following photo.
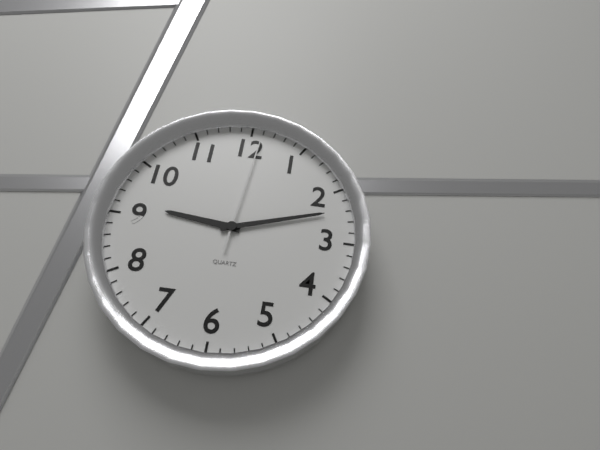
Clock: 9:12:01
